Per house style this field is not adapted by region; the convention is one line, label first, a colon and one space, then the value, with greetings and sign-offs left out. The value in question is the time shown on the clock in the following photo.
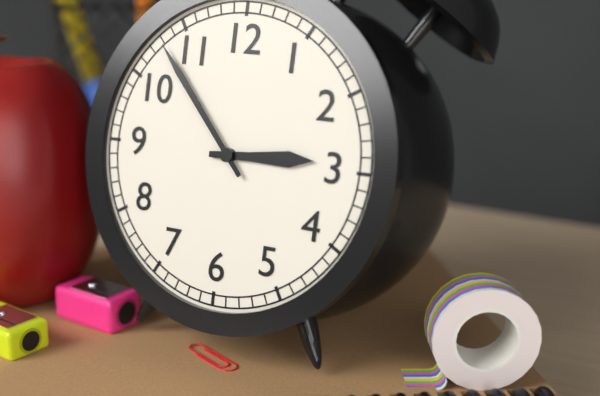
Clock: 2:53
